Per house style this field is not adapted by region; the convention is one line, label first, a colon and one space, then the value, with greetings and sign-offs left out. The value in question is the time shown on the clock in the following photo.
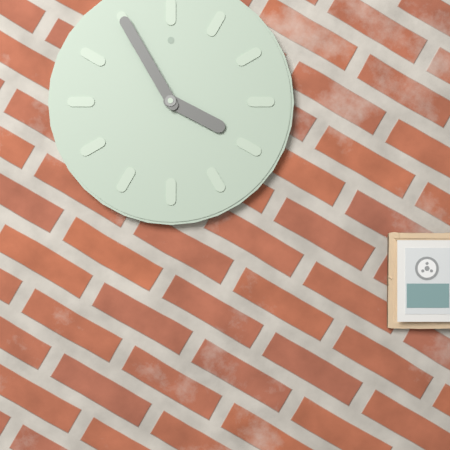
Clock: 3:55
